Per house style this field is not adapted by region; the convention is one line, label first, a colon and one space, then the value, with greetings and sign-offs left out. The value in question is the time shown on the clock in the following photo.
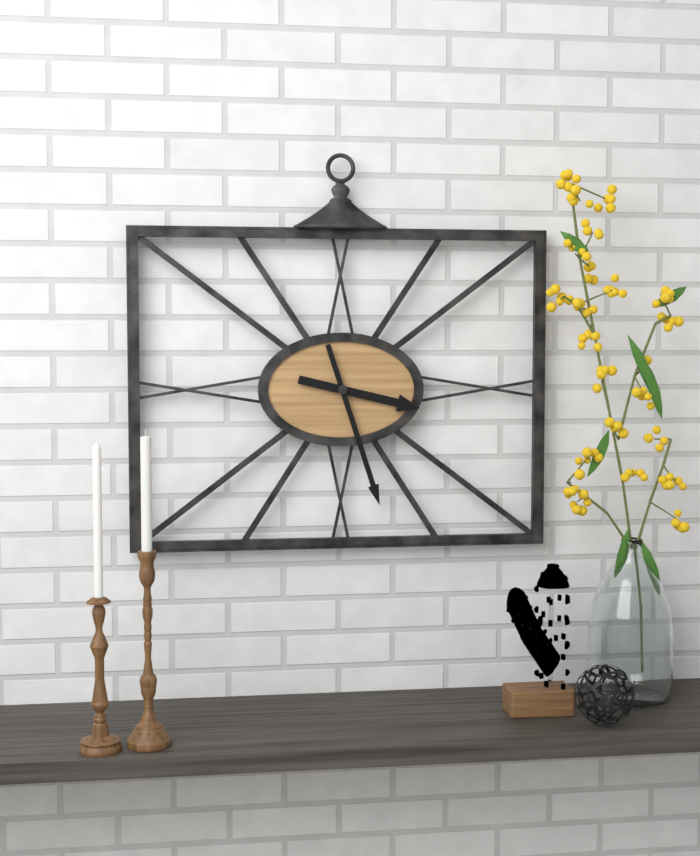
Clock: 3:27
